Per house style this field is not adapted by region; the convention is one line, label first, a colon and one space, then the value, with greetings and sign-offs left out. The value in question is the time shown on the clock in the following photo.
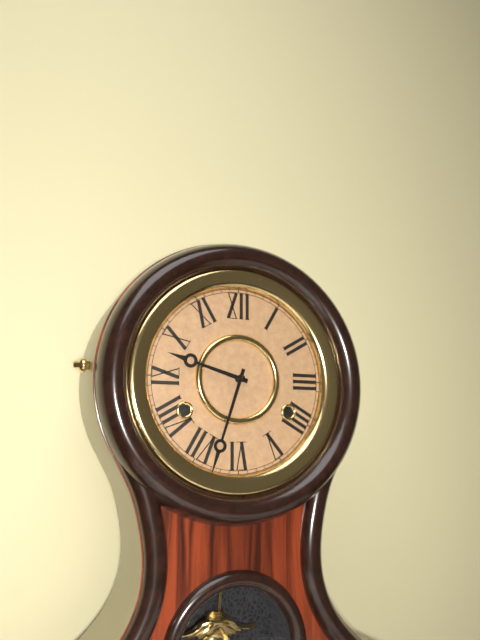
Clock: 9:33
